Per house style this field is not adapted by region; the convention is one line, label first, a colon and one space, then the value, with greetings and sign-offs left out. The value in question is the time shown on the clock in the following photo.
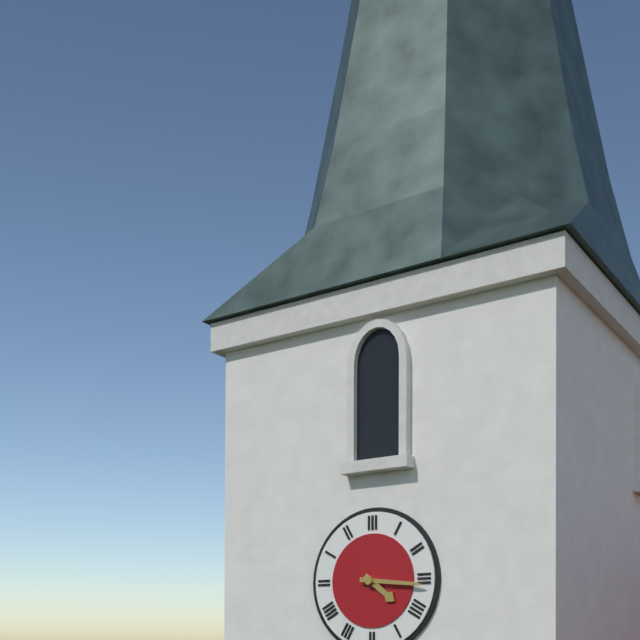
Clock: 4:16
